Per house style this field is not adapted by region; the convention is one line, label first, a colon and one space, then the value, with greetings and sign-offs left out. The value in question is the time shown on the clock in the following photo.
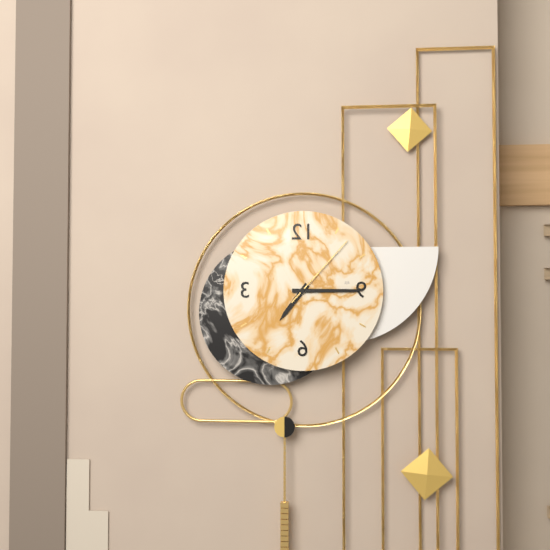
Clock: 7:15:07
